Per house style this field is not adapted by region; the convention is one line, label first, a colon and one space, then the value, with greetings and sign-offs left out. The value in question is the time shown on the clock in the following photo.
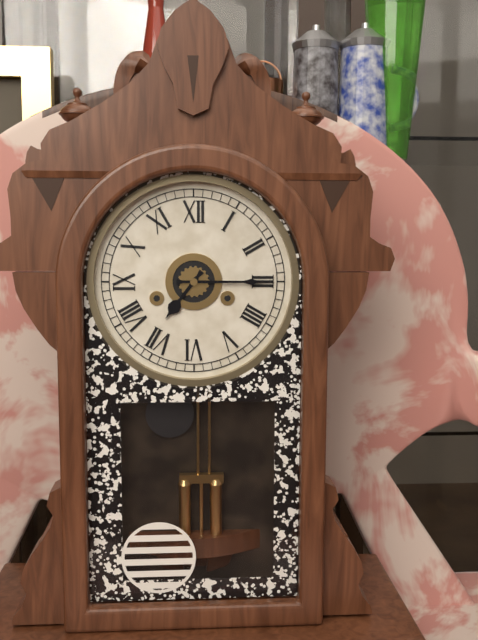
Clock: 7:15
